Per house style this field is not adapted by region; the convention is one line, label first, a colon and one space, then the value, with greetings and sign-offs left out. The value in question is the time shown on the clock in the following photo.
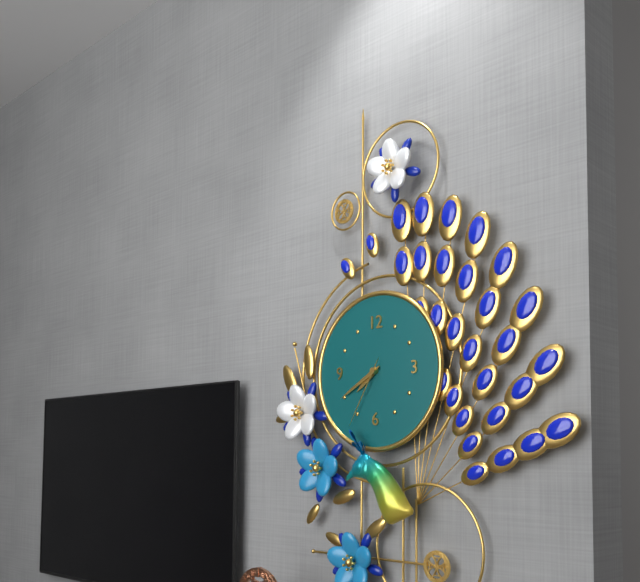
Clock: 7:40:35
